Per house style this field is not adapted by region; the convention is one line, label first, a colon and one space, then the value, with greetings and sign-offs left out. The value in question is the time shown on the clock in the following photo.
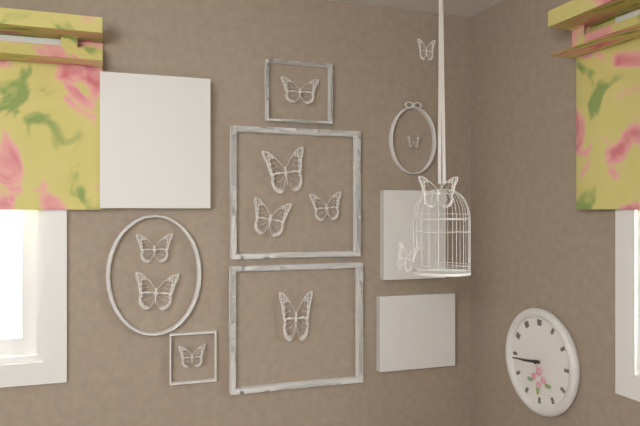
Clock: 8:44
